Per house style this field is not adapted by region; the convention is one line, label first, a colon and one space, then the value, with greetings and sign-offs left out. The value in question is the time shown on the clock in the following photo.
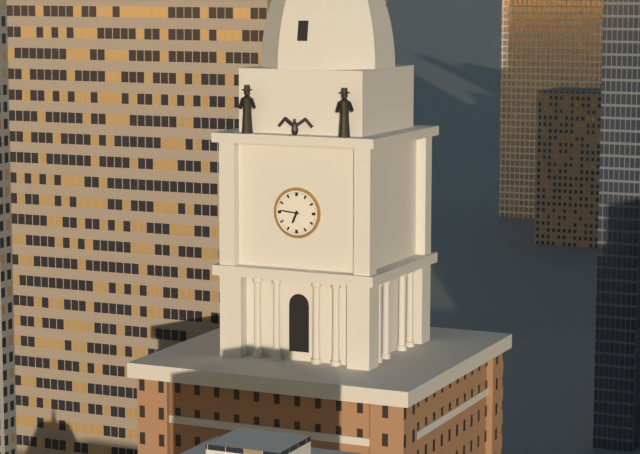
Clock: 6:46
